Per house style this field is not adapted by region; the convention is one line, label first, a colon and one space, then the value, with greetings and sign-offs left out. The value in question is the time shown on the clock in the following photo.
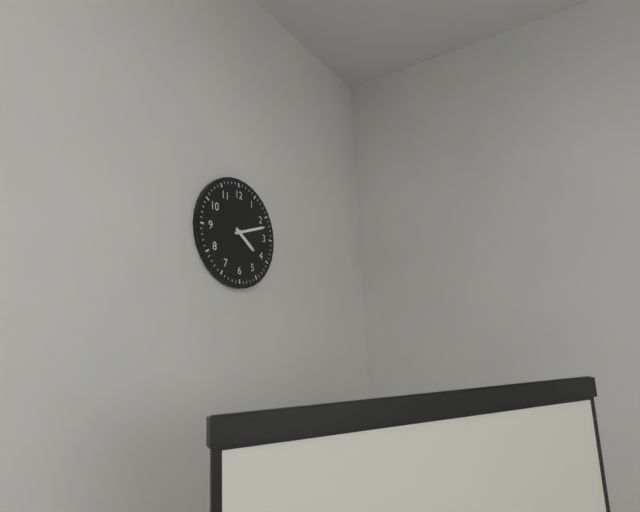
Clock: 4:12
